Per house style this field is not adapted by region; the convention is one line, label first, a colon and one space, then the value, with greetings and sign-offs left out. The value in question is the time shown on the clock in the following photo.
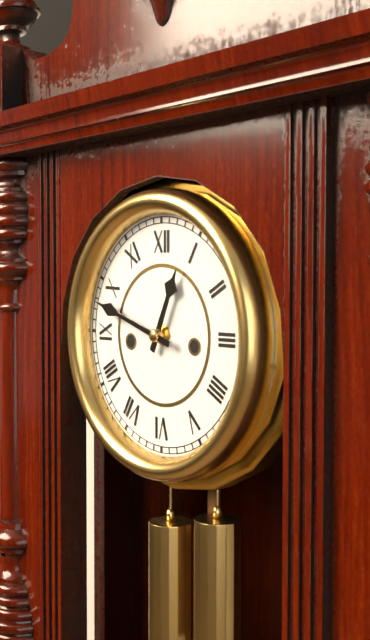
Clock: 12:48
